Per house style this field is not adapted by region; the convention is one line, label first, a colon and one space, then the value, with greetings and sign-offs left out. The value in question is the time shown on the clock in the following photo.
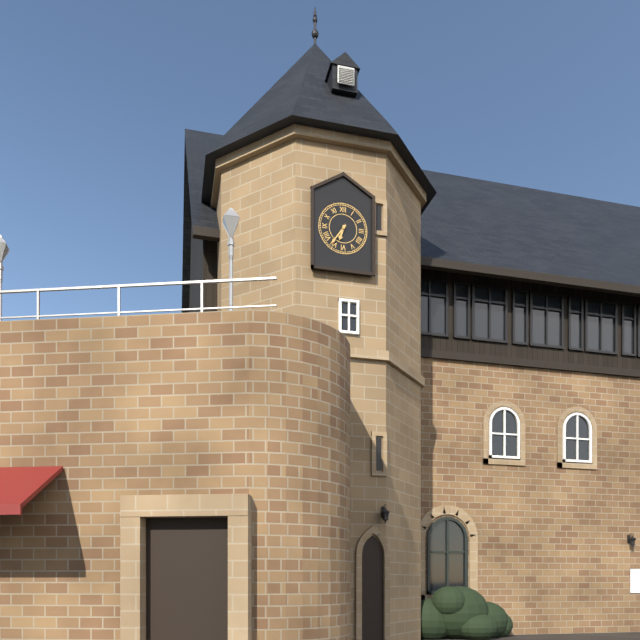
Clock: 6:36
